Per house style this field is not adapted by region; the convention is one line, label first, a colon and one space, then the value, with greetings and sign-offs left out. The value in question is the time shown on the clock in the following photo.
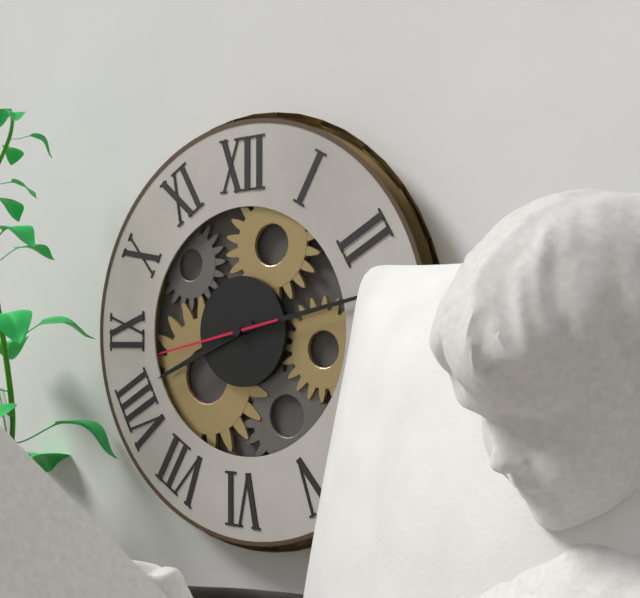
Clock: 8:13:43
